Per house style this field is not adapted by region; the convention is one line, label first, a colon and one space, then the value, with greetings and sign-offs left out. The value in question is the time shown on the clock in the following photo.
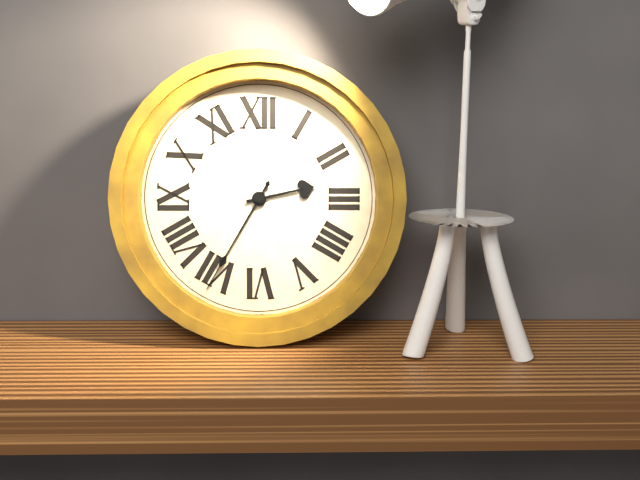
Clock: 2:35
